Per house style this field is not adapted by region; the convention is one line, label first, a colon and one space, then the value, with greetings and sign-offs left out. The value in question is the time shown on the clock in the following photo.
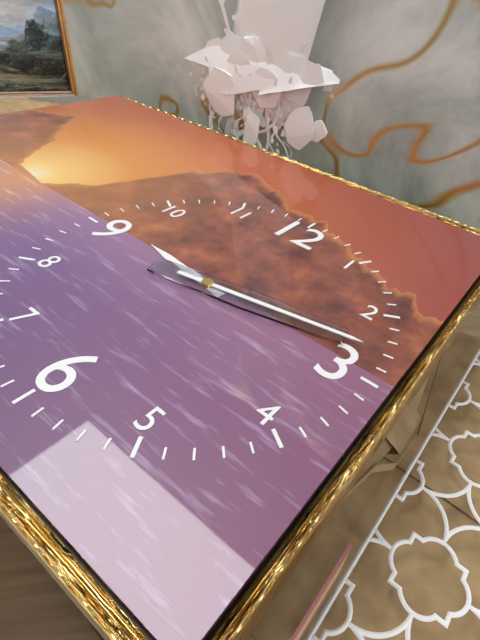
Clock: 9:13
